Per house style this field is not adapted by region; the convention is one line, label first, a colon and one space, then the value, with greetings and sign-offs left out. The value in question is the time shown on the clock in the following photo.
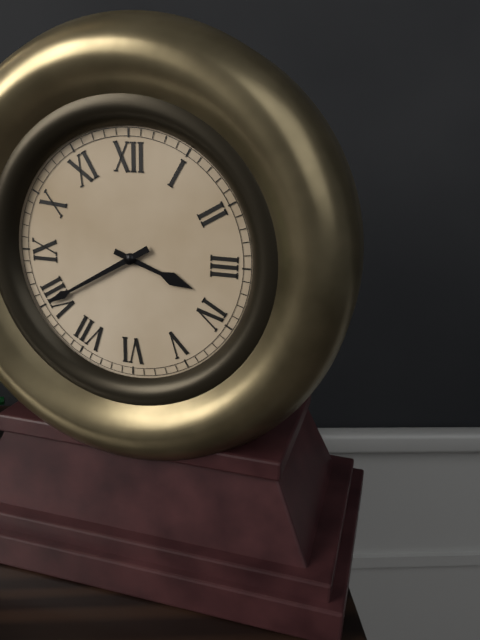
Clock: 3:40
